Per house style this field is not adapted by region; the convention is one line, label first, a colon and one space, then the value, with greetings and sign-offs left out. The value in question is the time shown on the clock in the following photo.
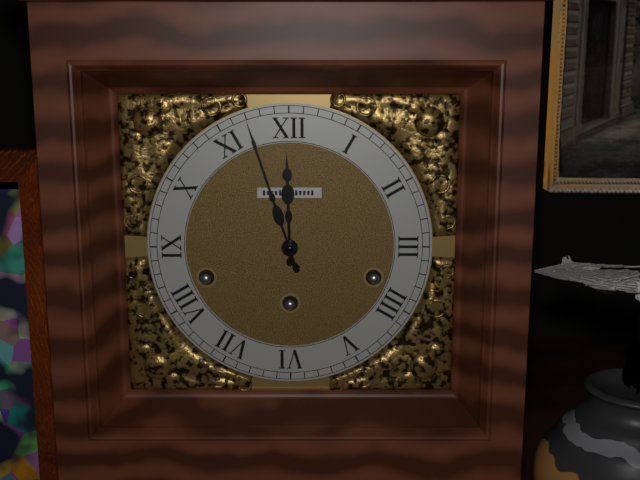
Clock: 11:57
